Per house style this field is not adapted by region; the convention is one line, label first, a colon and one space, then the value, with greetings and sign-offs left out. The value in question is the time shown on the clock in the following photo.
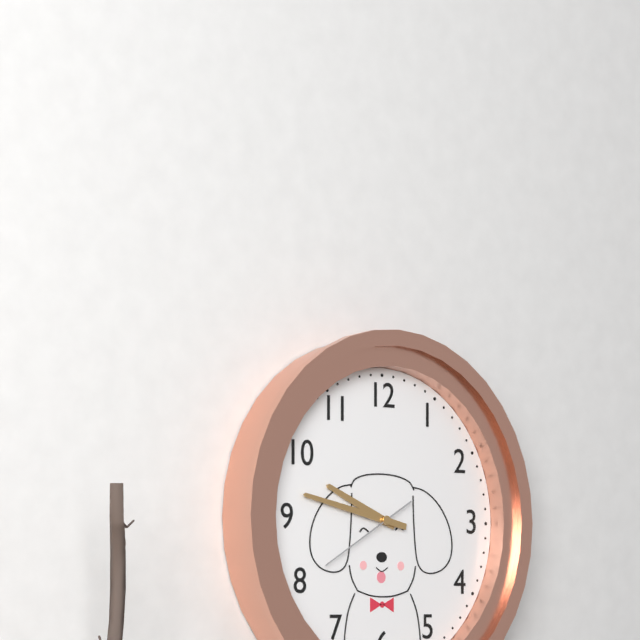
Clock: 9:47:40
